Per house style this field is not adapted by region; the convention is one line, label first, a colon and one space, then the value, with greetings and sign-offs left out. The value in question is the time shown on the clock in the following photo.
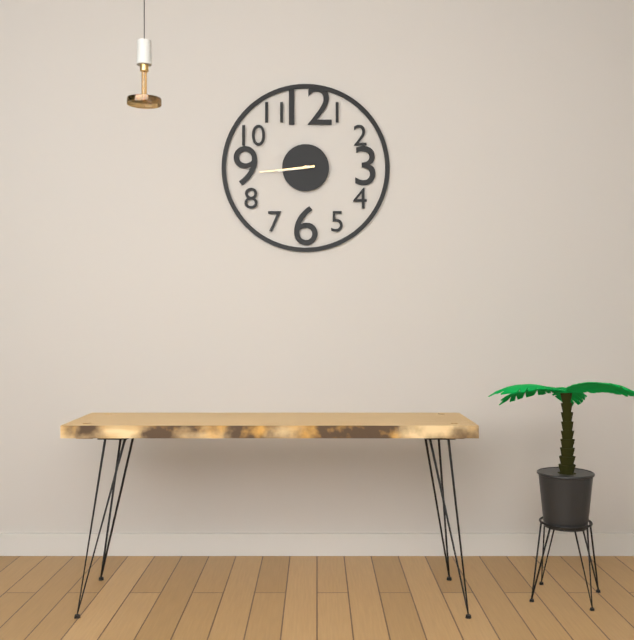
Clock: 8:44
